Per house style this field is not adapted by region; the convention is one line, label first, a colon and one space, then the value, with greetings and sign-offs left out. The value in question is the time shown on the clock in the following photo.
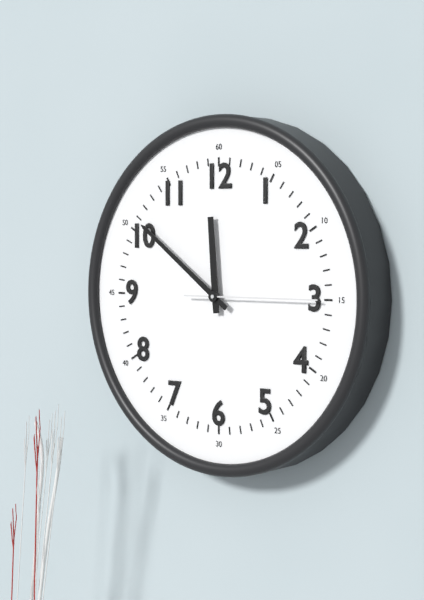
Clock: 11:51:15
